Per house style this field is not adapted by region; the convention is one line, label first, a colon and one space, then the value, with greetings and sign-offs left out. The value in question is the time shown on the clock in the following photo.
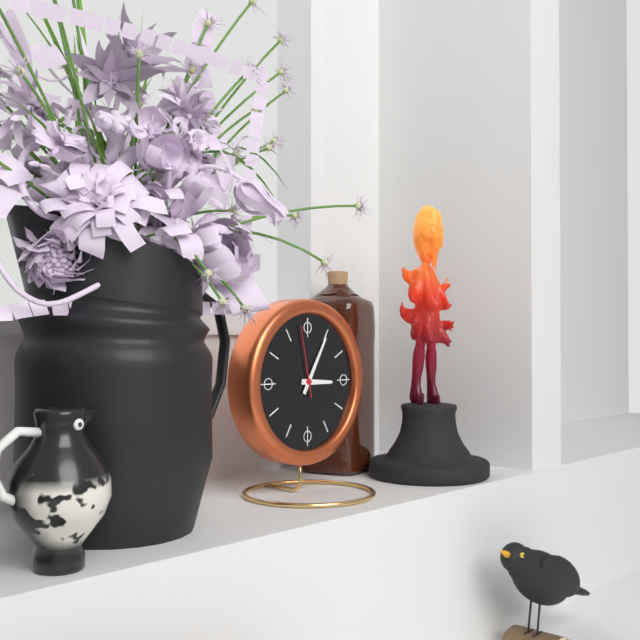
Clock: 3:05:58
